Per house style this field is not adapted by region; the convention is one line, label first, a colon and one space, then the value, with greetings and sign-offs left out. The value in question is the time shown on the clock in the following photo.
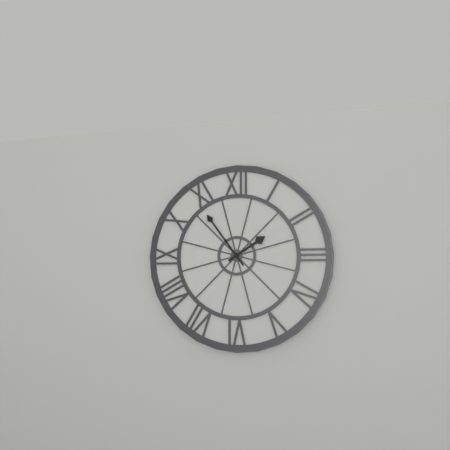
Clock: 1:54
